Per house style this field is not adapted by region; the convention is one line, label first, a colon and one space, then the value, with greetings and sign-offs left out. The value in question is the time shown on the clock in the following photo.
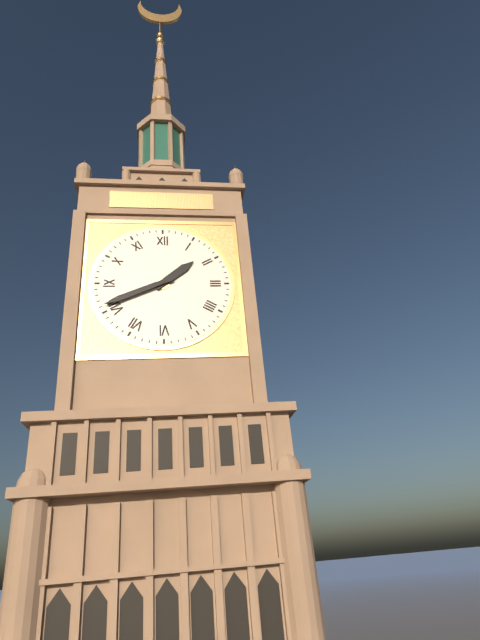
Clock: 1:41
